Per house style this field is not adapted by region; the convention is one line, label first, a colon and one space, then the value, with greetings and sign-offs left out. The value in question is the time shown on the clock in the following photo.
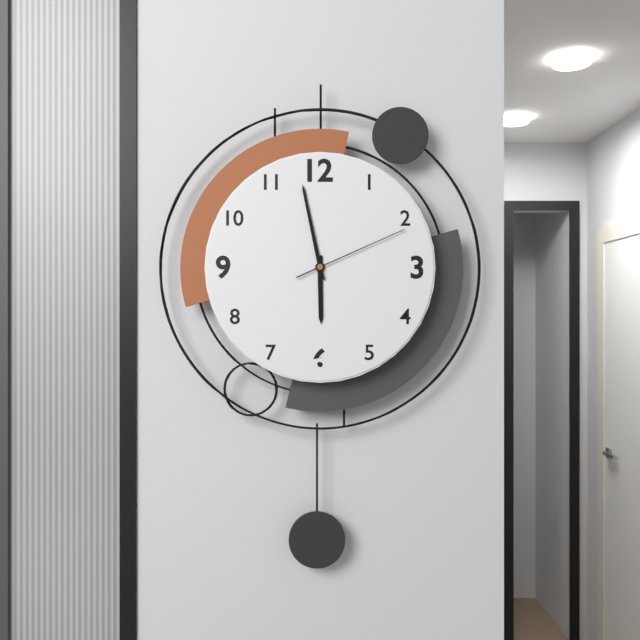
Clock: 5:58:11
